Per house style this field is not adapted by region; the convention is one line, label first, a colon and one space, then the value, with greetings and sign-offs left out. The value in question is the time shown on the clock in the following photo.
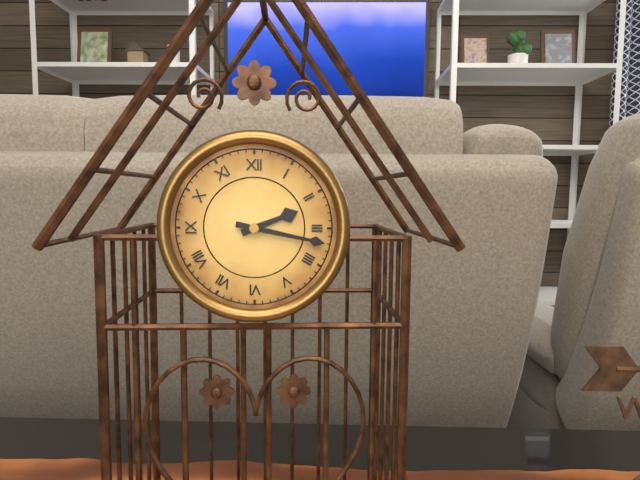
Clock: 2:17
